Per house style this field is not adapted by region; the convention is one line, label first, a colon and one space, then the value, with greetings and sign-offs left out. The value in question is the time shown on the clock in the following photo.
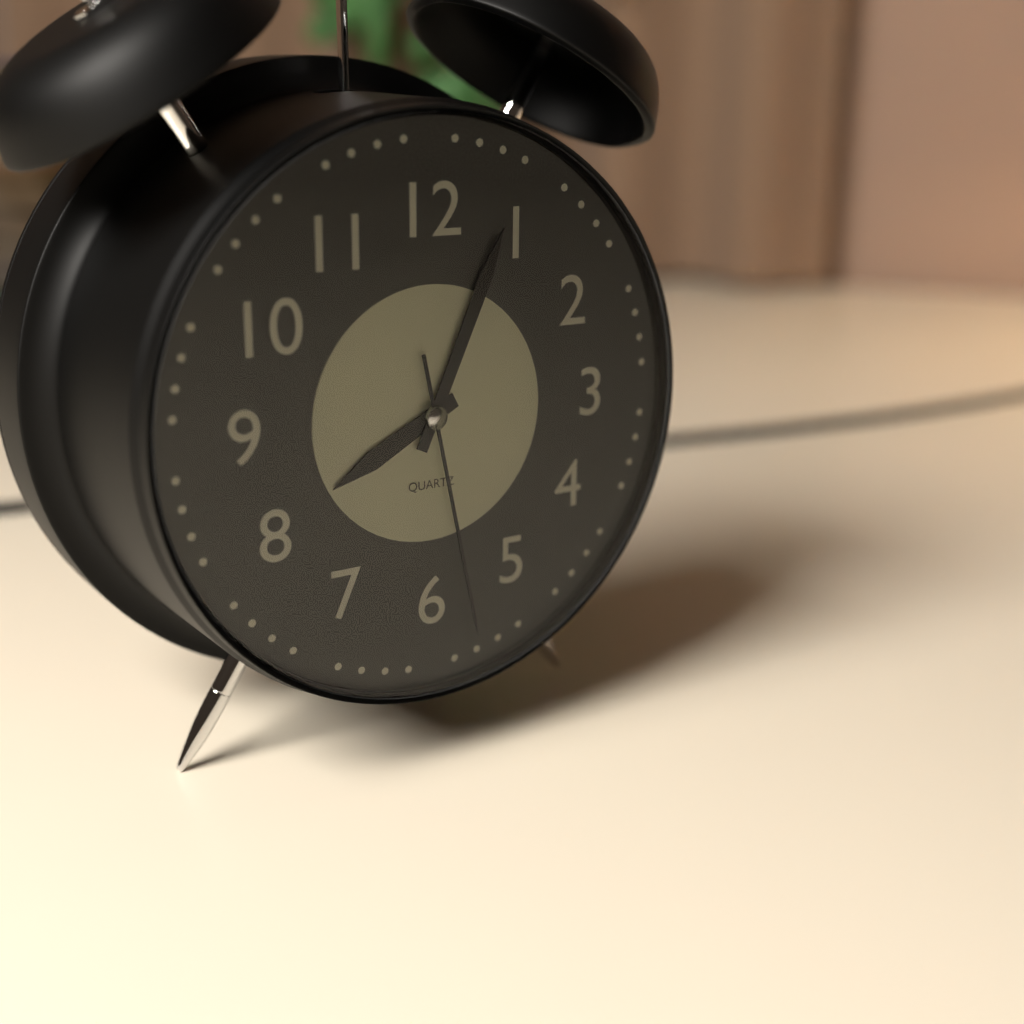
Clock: 8:04:28
